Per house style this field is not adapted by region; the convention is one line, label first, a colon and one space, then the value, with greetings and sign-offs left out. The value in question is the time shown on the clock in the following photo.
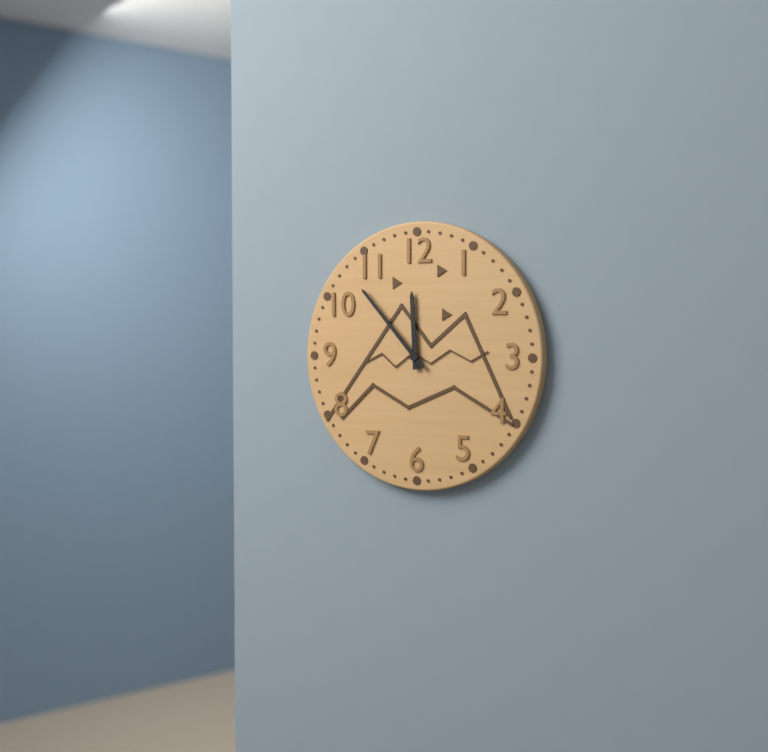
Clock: 11:53
